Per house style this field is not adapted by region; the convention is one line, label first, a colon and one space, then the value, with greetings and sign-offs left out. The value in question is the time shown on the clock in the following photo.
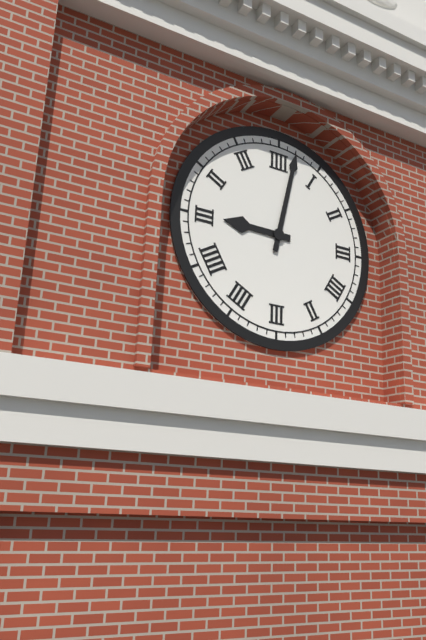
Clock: 9:02
